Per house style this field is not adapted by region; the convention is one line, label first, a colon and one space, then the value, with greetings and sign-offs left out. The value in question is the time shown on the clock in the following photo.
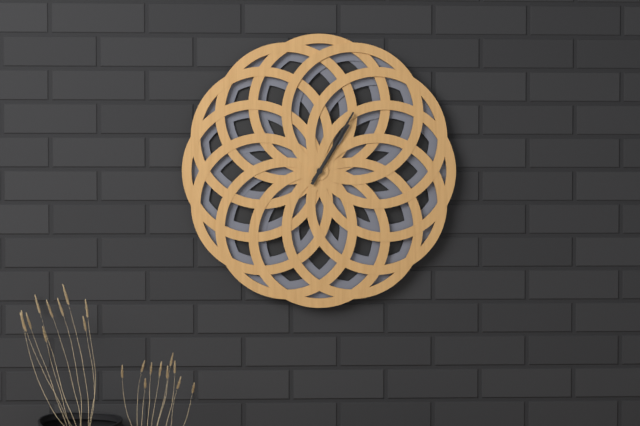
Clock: 1:05
